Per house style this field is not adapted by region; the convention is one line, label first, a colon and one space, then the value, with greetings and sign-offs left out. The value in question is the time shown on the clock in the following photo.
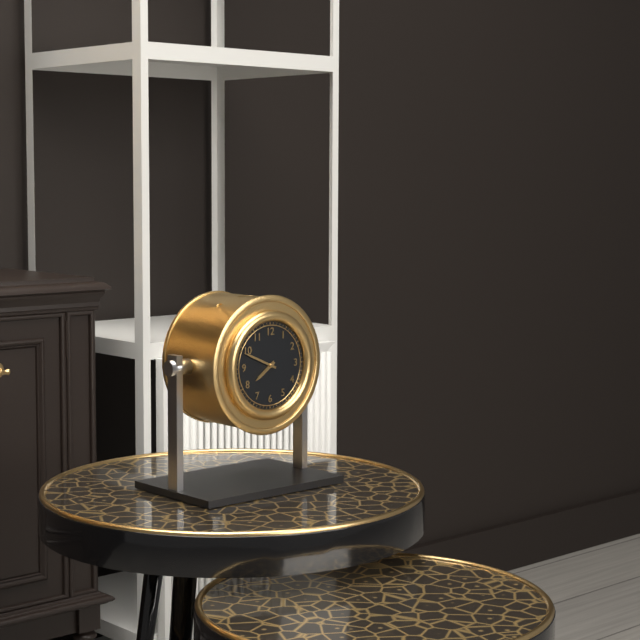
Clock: 7:49
